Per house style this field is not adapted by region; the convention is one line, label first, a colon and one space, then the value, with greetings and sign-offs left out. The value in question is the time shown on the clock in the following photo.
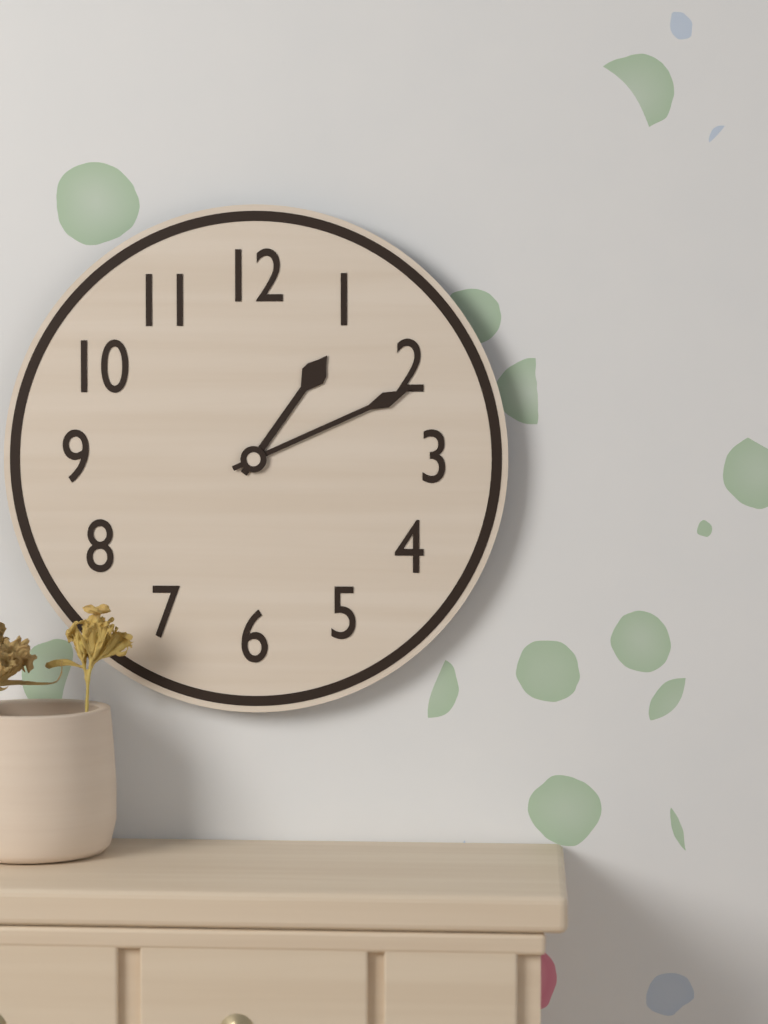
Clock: 1:11
